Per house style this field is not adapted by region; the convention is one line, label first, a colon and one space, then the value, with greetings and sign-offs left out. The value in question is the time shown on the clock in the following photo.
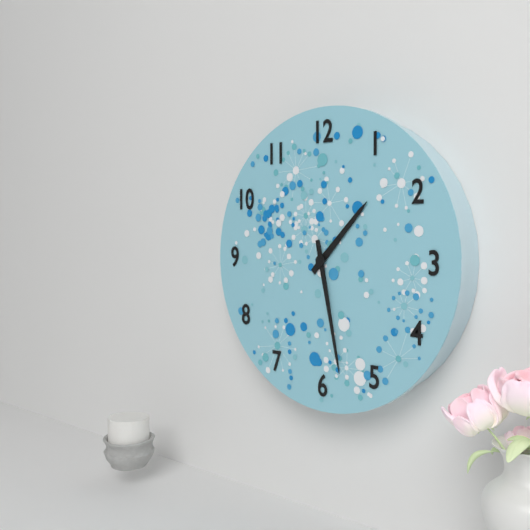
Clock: 1:28
